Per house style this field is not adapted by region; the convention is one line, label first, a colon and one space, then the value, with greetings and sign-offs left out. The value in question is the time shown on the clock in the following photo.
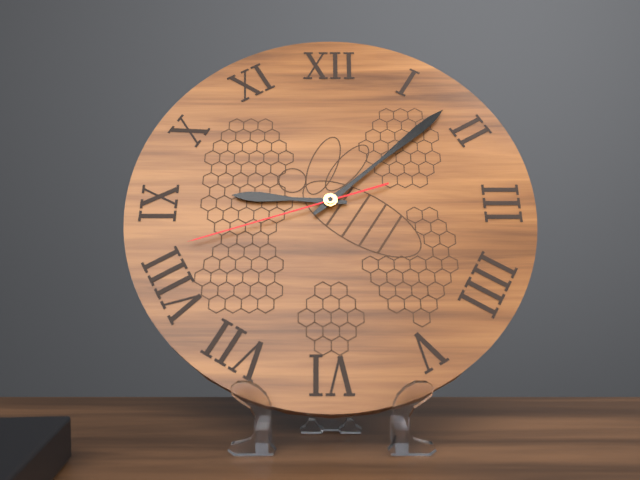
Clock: 9:08:42
